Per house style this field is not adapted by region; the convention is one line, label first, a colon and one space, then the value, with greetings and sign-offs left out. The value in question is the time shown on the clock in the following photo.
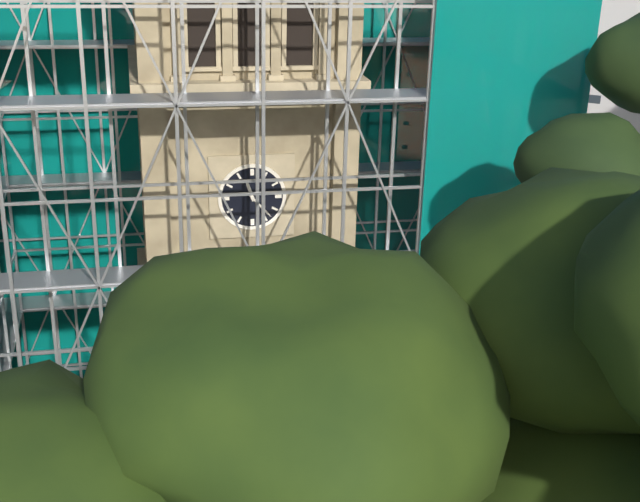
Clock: 11:23
